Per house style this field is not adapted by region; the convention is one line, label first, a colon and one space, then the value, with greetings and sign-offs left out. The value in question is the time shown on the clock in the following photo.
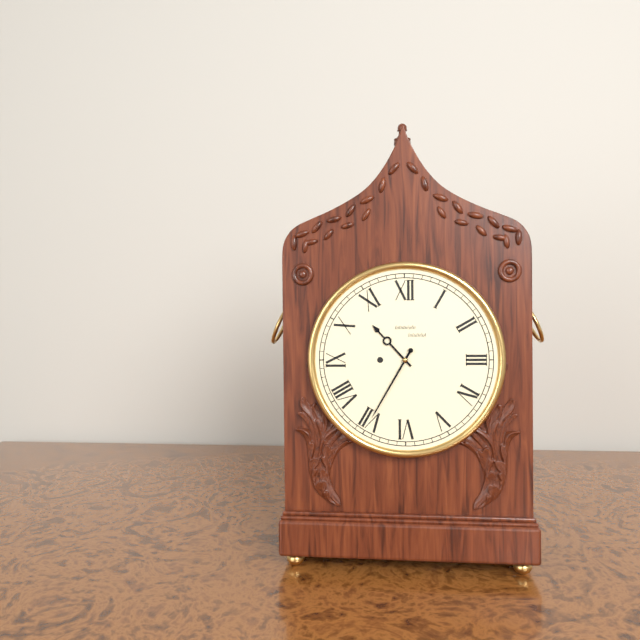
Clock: 10:35
